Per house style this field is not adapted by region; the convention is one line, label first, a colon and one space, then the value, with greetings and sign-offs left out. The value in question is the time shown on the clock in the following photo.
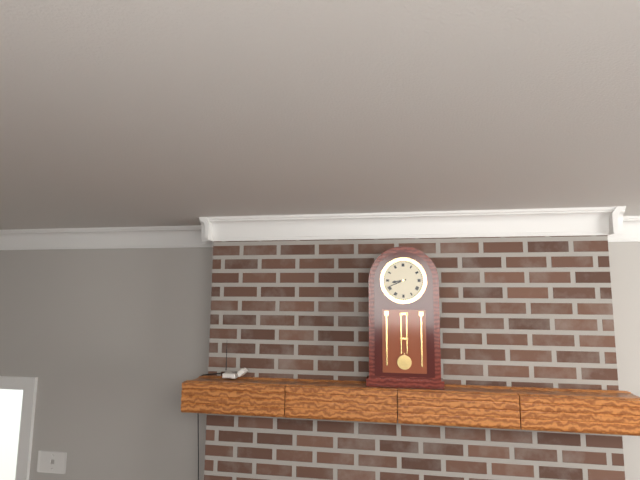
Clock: 8:41
